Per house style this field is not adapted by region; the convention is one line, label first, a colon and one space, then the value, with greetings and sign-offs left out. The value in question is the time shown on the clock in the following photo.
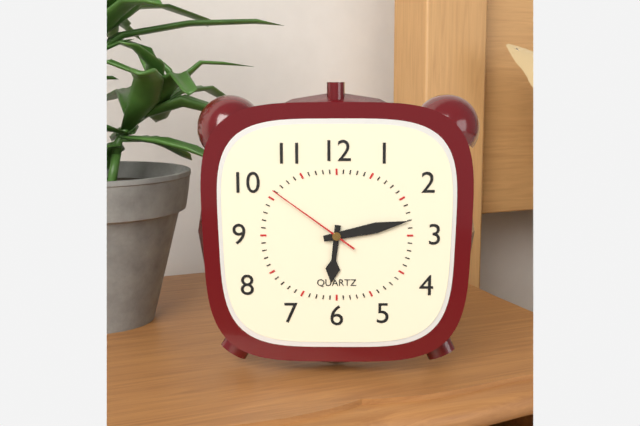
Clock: 6:13:51
